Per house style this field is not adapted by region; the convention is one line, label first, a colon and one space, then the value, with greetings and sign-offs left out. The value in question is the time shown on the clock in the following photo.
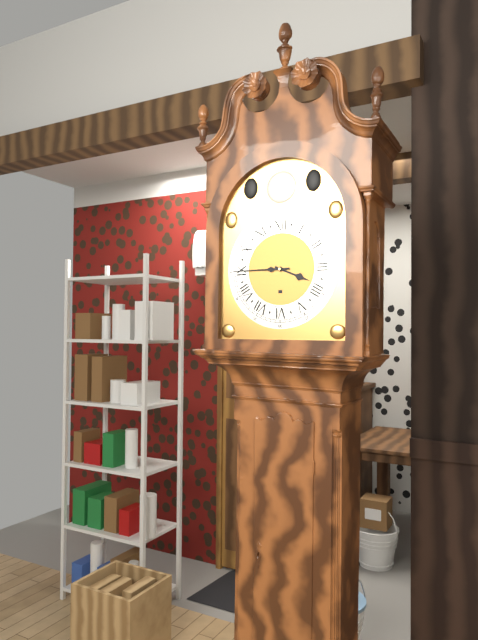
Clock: 3:45
